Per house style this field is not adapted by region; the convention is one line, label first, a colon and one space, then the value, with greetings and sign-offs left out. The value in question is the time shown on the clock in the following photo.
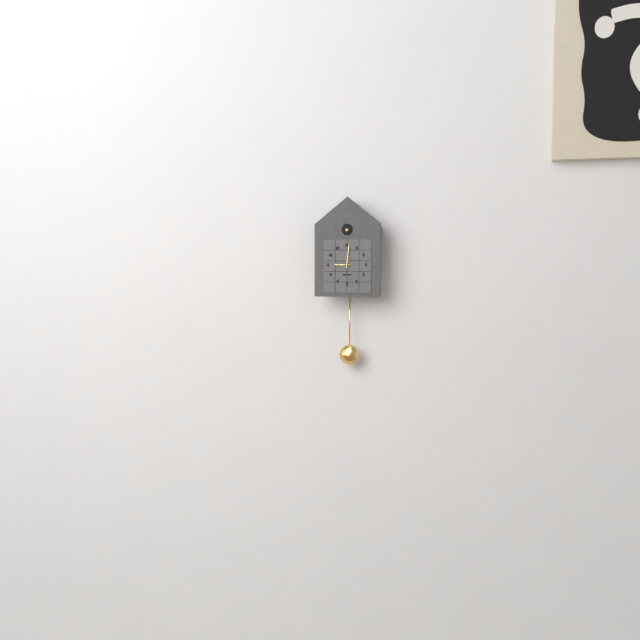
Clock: 9:01
